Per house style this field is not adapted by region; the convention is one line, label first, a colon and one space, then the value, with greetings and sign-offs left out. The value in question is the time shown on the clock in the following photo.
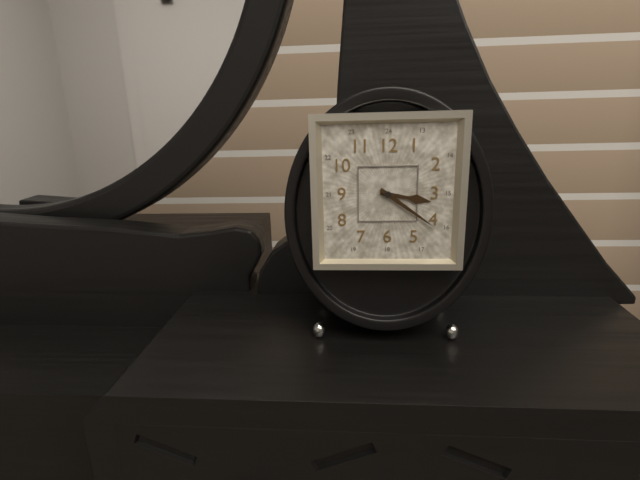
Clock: 3:21
